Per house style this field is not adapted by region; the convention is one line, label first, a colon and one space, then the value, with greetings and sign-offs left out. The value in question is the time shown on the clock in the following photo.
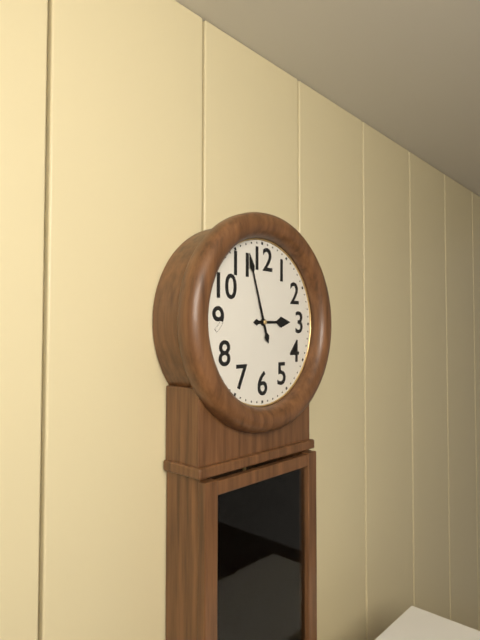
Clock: 2:57
